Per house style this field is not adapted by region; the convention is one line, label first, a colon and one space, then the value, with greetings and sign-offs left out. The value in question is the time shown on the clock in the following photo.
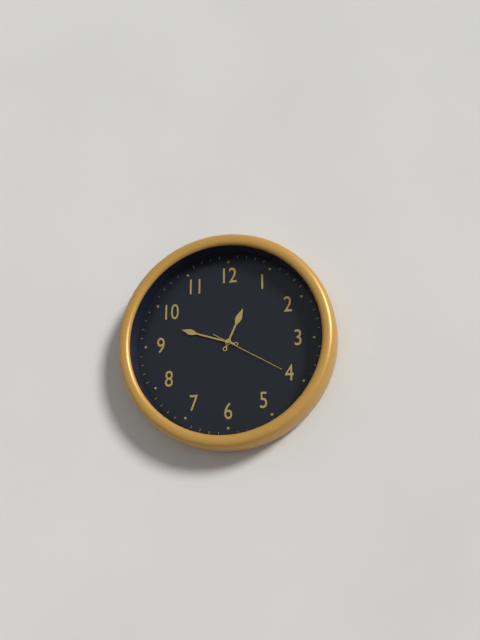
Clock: 12:48:20
